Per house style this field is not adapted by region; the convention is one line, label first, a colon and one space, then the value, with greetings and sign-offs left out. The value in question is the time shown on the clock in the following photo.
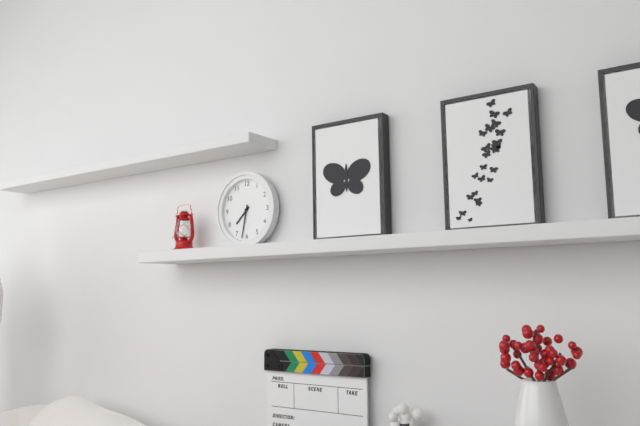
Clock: 7:32
